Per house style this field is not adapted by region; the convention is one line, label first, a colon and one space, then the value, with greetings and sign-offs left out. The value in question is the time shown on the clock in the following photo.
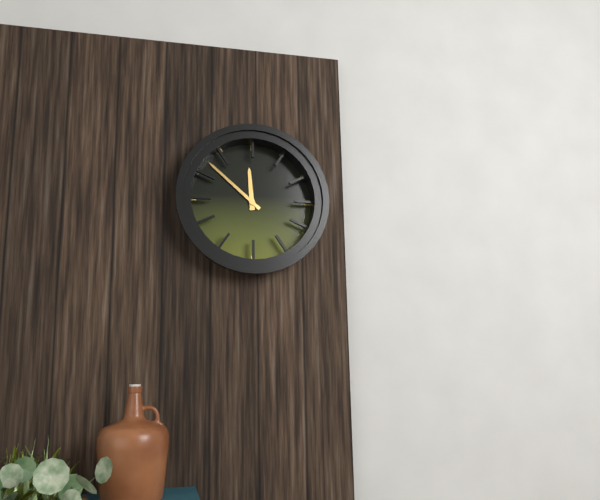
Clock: 11:52
